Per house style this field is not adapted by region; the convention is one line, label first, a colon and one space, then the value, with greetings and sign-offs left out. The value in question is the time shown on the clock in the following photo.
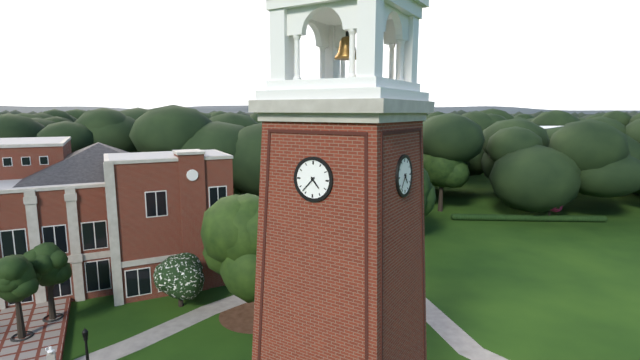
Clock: 4:37
